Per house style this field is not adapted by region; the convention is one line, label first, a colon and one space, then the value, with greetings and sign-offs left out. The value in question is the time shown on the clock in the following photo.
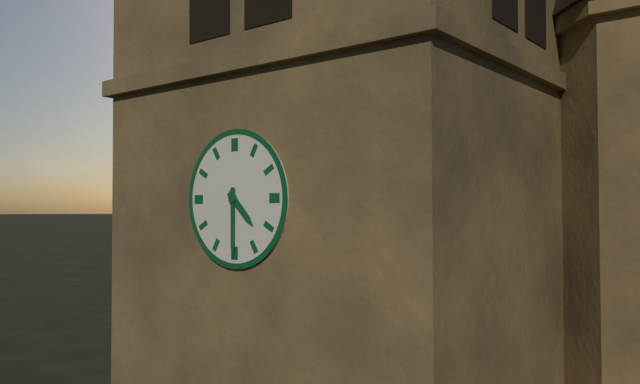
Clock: 4:30
